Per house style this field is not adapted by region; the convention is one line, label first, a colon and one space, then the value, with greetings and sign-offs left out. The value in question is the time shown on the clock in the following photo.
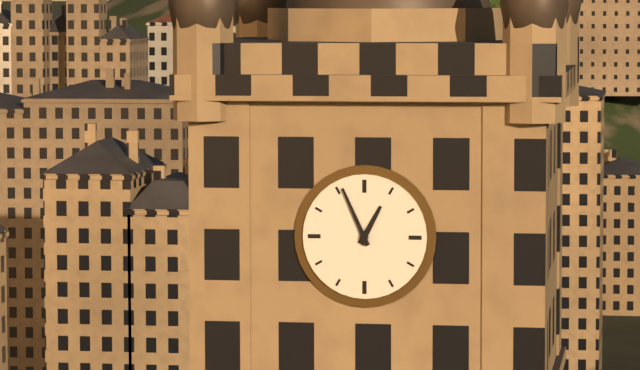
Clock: 12:56
